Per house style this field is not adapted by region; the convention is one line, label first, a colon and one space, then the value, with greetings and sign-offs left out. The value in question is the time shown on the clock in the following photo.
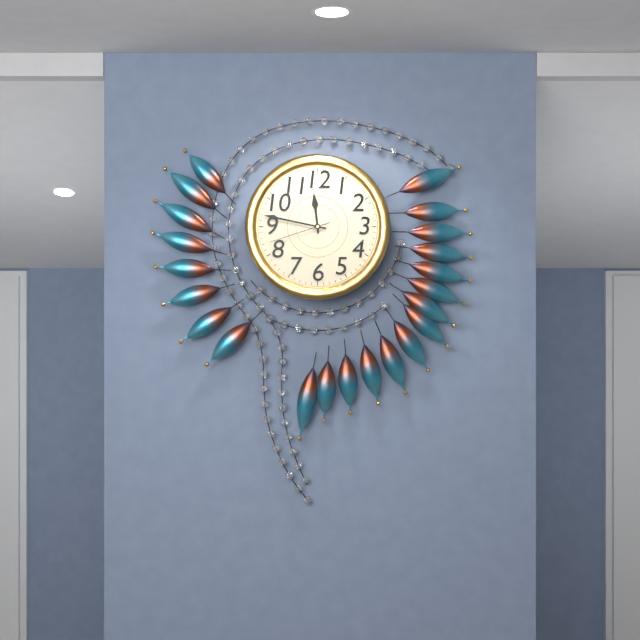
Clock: 11:47:42
